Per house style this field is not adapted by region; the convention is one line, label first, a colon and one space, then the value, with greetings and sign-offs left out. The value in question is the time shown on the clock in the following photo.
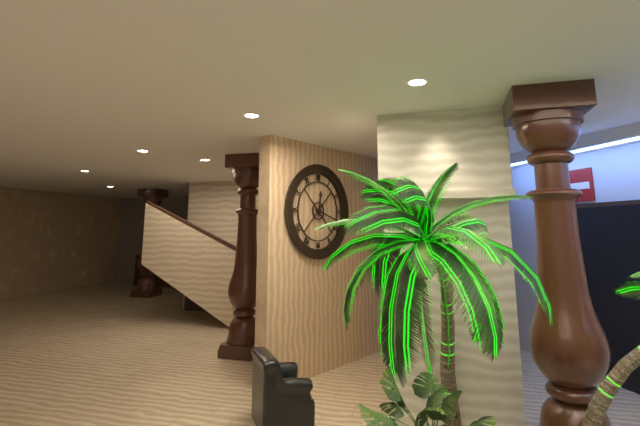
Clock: 12:18
